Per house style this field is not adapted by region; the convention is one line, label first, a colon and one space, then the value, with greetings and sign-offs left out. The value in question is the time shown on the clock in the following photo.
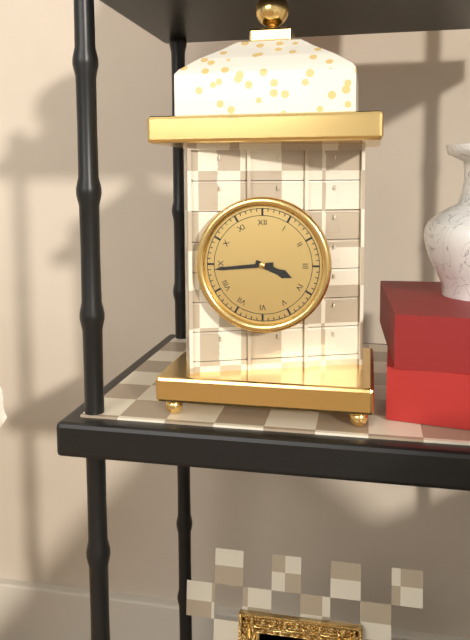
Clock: 3:44
